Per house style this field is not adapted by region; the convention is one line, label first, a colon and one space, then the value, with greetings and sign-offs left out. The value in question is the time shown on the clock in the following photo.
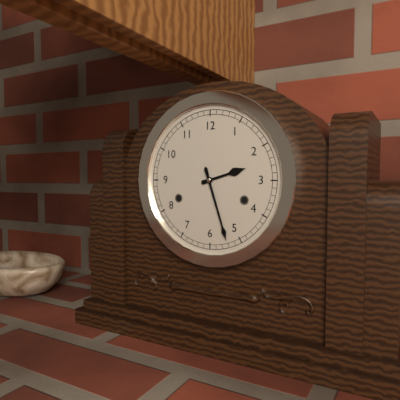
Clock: 2:27
